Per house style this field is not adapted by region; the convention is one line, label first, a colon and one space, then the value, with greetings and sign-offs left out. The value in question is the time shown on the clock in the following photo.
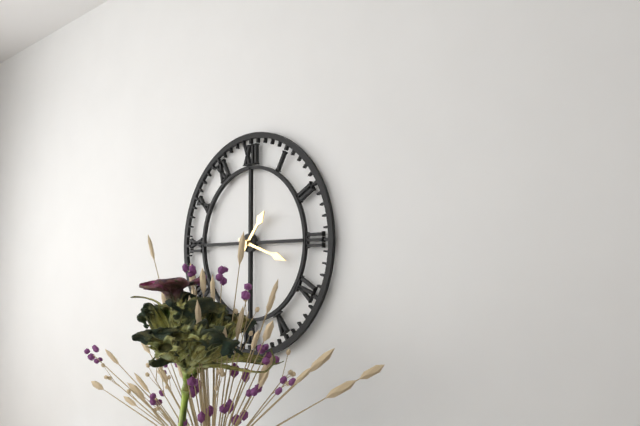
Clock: 1:18
